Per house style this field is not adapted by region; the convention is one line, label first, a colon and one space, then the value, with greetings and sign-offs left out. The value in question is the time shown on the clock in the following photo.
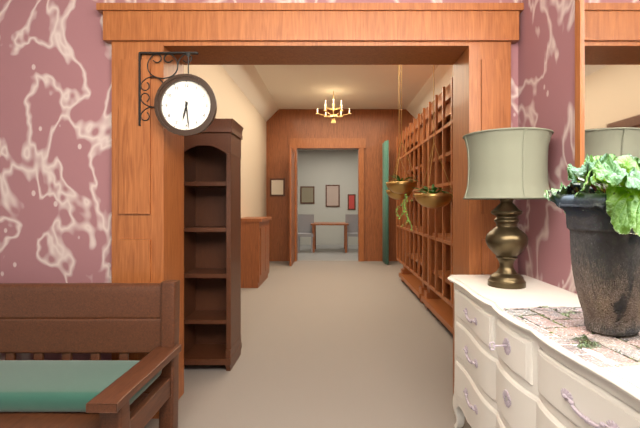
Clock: 6:29
